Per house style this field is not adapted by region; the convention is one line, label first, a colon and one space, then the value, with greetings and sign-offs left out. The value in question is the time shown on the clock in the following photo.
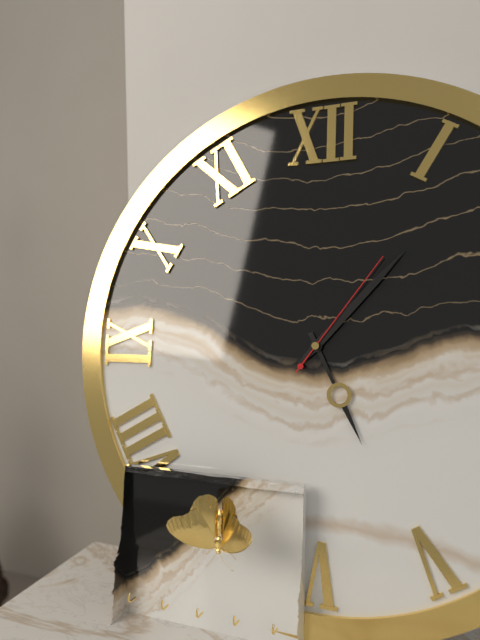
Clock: 5:07:06
